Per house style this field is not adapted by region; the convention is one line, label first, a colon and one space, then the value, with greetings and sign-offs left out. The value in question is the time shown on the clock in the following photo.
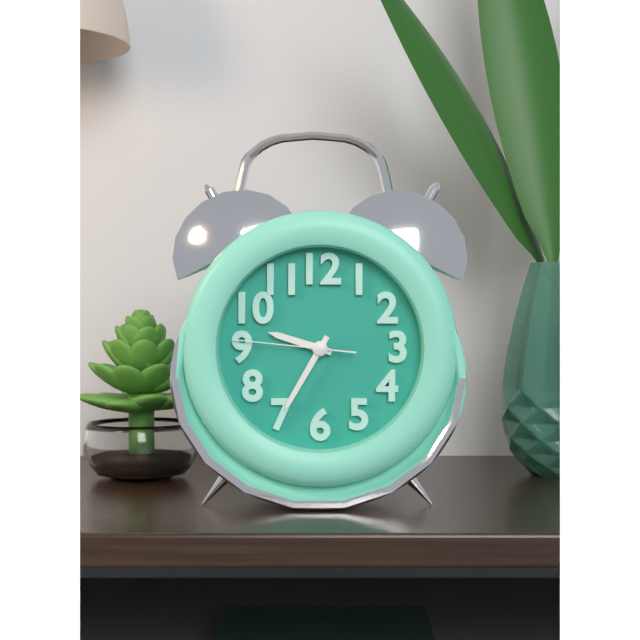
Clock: 9:35:46
